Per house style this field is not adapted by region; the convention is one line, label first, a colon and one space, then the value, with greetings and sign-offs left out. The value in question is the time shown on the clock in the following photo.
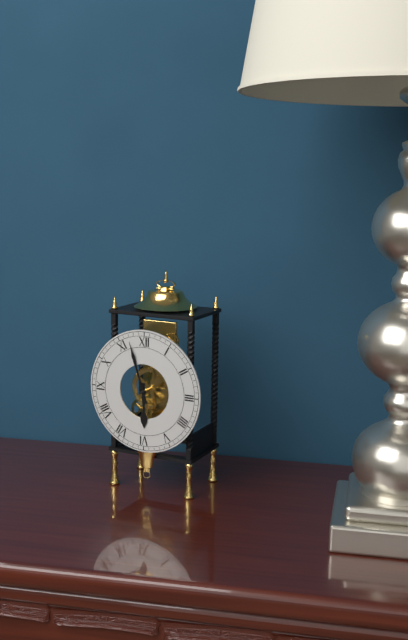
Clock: 5:57
